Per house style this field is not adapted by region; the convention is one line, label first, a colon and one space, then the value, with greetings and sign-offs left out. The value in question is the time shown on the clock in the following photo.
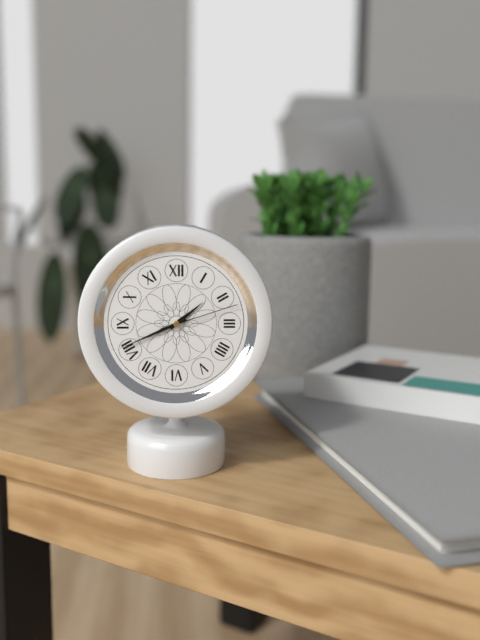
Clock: 1:41:12
